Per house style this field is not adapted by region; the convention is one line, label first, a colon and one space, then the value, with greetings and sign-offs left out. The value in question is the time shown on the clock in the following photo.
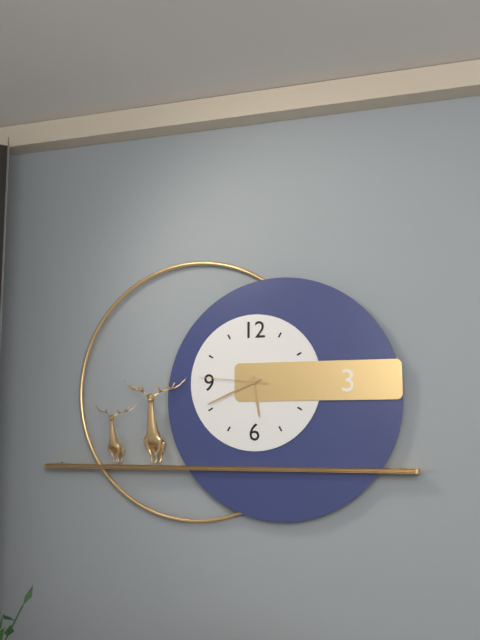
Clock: 5:41:46
